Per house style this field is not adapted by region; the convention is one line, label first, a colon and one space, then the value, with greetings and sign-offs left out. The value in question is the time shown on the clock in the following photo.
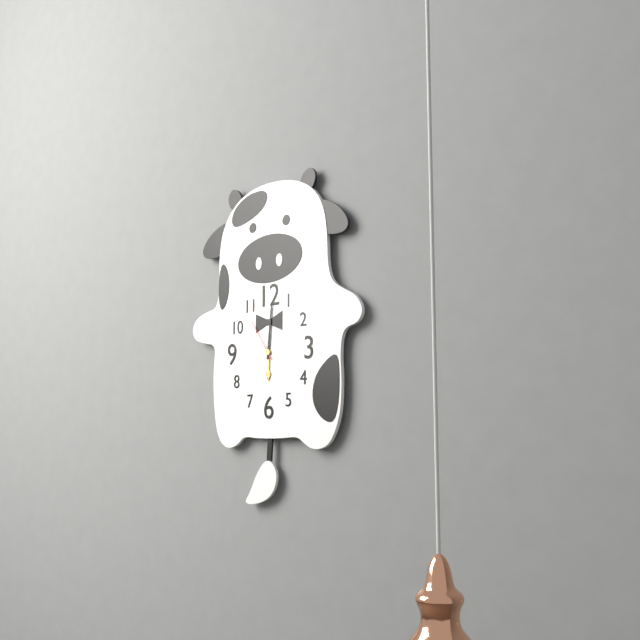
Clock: 6:01
